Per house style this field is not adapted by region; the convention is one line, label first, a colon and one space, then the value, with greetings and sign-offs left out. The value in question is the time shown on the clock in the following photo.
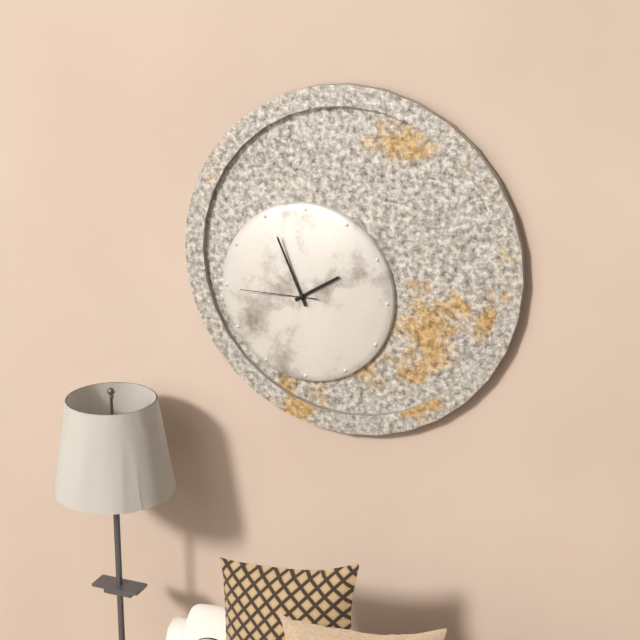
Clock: 1:56:45
